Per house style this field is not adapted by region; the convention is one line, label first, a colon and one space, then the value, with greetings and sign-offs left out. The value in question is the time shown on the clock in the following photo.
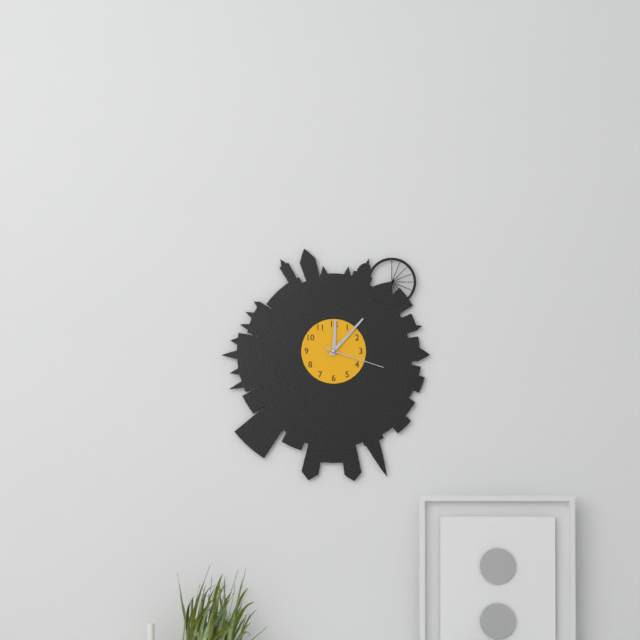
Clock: 12:07:18
